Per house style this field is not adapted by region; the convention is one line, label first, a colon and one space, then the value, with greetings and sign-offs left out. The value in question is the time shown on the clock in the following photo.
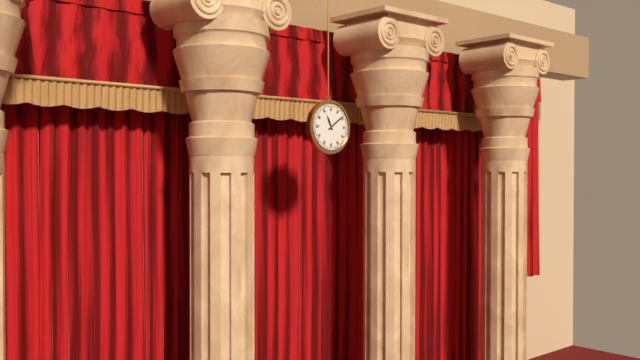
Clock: 11:09
